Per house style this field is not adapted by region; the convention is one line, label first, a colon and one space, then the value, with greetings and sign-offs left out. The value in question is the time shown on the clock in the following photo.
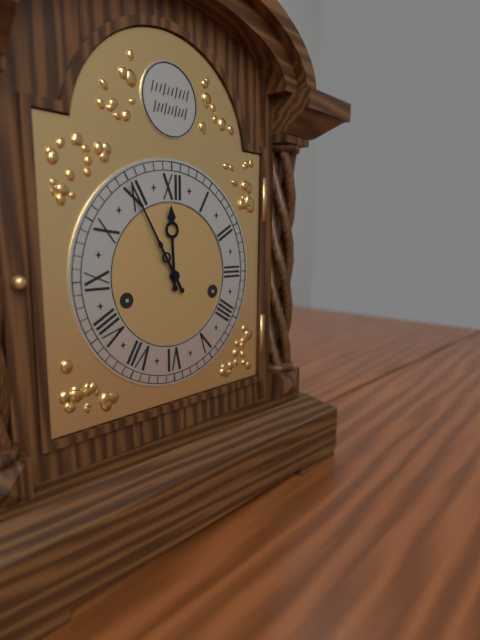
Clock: 11:55
